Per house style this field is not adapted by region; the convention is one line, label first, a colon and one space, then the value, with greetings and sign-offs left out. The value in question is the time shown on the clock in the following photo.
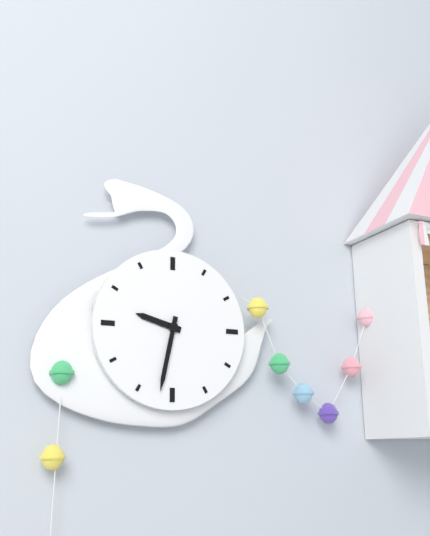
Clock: 9:32
